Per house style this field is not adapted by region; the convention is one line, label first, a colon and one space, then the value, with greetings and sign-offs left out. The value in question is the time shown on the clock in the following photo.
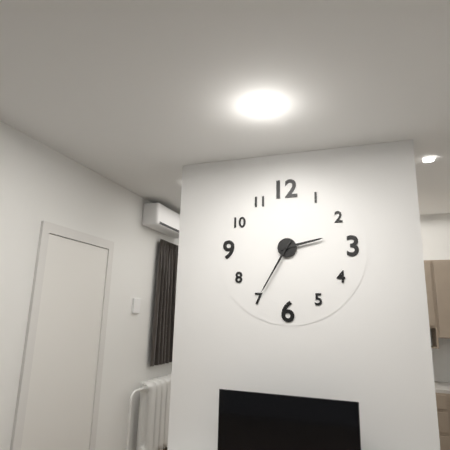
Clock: 2:35
